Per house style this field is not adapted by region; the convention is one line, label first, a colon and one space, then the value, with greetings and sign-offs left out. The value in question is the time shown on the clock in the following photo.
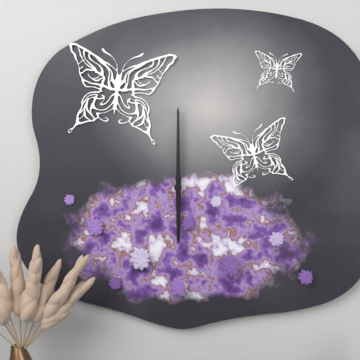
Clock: 6:00
